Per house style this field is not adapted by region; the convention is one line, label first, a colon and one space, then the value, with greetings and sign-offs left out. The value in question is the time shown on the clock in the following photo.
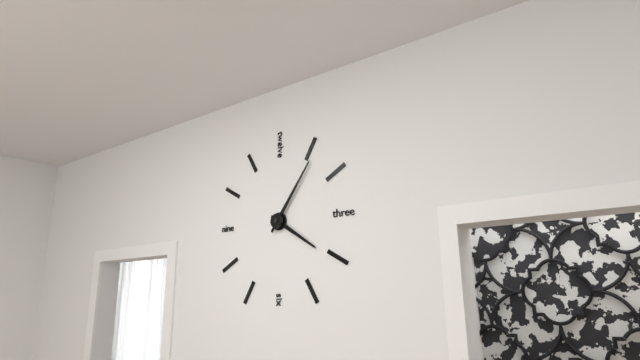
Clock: 4:06
